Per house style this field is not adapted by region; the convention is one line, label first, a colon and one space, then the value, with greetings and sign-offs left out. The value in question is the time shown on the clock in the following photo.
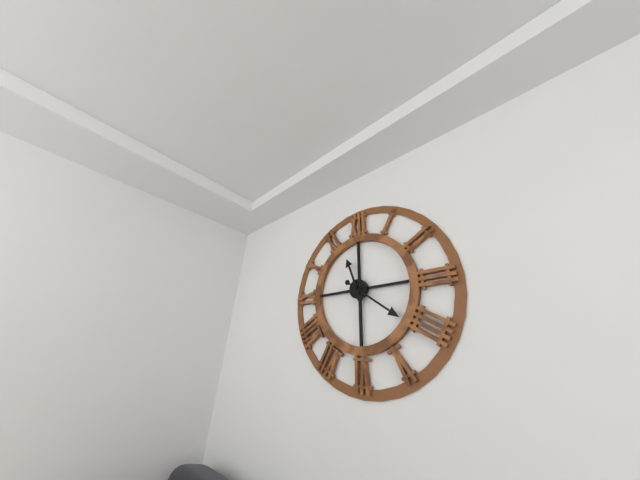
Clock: 11:21
